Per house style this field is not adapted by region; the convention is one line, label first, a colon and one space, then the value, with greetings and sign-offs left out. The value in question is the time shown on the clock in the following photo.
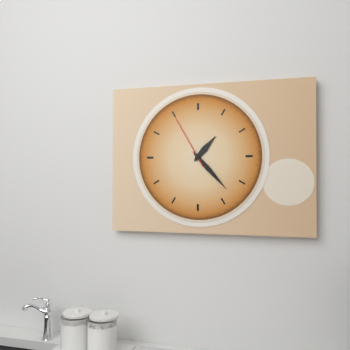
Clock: 1:23:55
